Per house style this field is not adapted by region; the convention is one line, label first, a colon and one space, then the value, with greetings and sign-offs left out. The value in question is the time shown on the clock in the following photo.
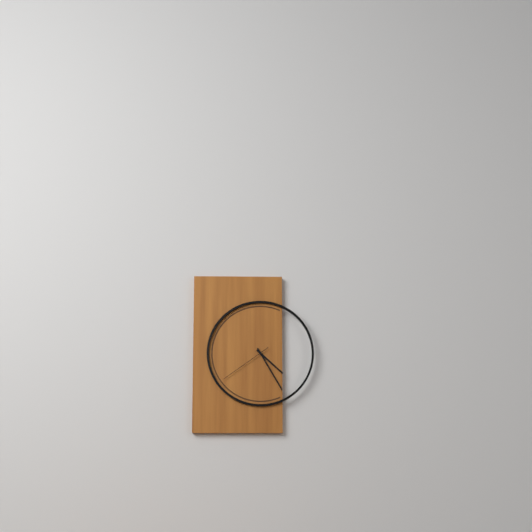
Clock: 4:25:39
